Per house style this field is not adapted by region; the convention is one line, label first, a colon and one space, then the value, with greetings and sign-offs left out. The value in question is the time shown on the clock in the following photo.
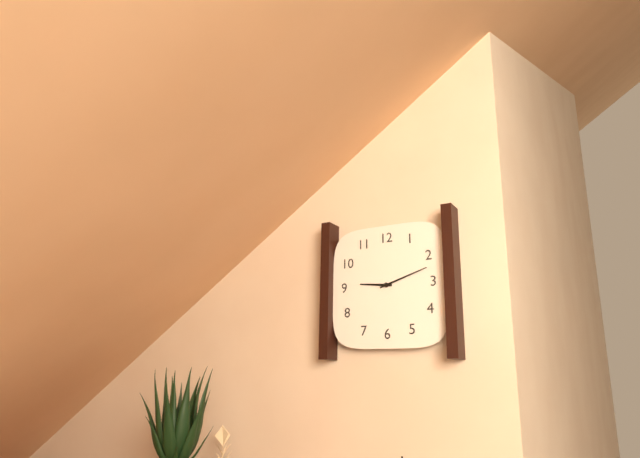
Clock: 9:12
